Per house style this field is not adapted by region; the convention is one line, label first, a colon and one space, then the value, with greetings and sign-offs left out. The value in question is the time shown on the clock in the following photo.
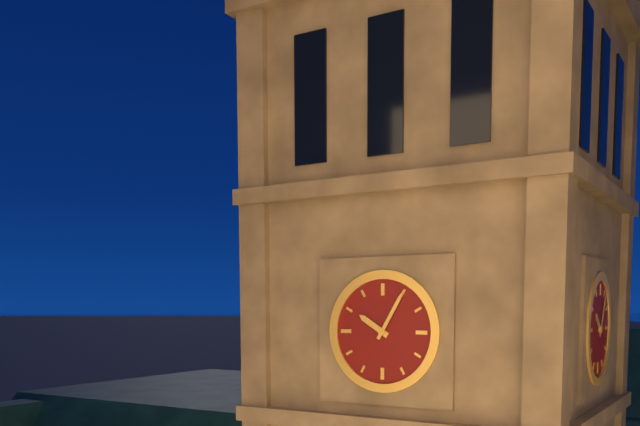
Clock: 10:05
